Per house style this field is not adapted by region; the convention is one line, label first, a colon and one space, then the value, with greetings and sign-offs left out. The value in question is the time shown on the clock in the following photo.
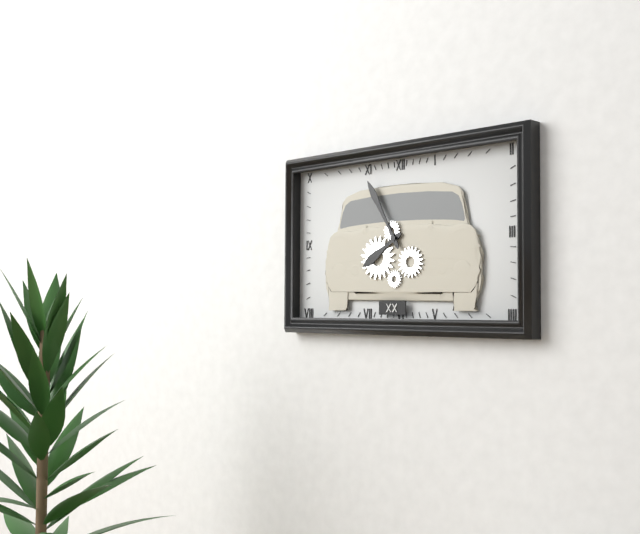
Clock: 7:55
